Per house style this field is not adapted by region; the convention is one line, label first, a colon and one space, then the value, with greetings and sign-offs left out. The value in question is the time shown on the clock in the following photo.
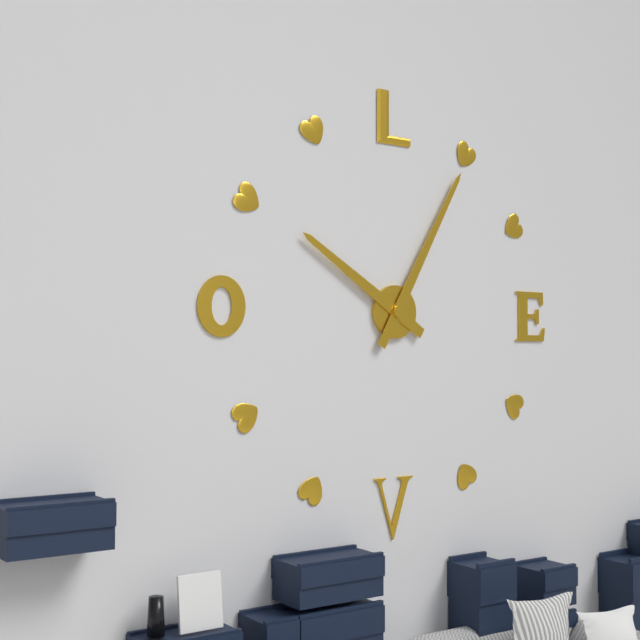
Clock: 10:05
